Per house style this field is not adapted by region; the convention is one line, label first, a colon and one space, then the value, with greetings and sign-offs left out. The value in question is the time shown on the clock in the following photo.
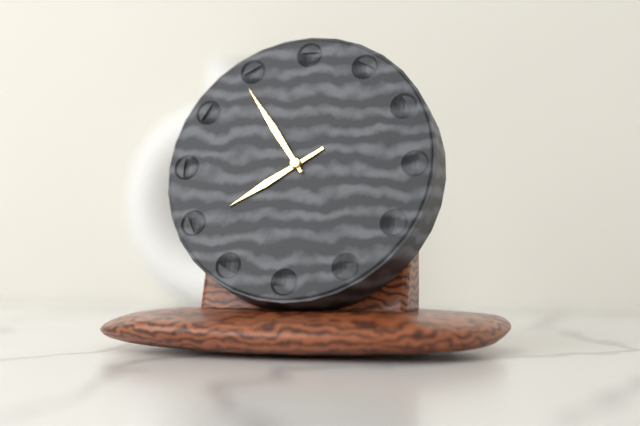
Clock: 7:54
